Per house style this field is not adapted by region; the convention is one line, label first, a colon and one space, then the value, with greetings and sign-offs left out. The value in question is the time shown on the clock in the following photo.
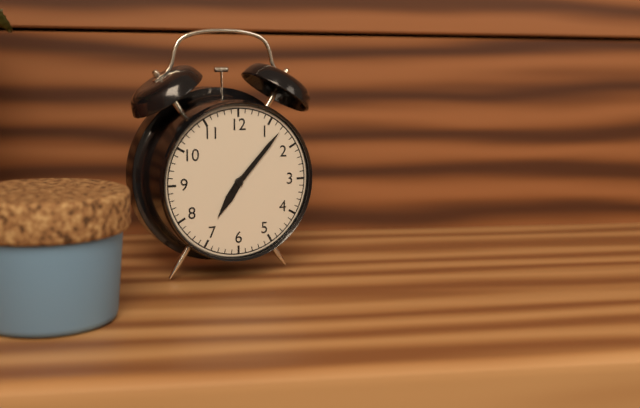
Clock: 7:07
